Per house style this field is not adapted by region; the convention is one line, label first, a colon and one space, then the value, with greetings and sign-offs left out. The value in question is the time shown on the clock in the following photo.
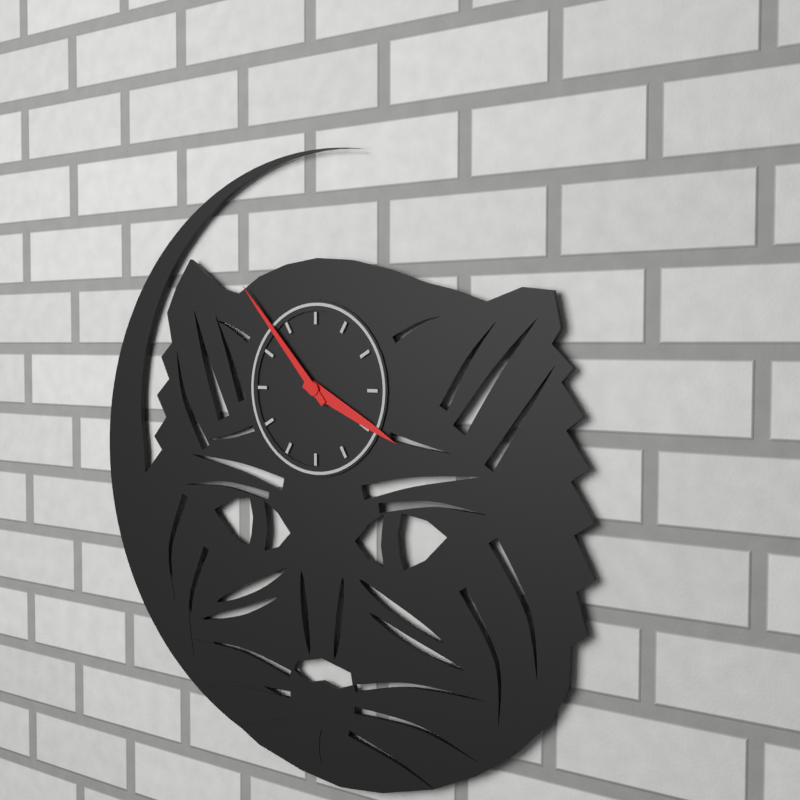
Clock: 3:53
